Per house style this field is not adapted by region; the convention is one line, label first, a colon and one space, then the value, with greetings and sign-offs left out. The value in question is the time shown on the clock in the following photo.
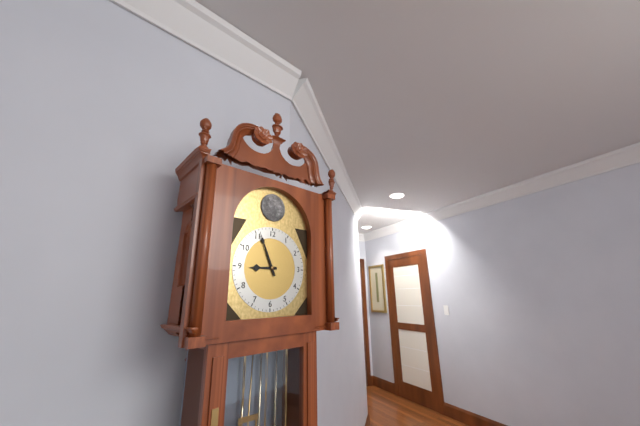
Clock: 8:56
